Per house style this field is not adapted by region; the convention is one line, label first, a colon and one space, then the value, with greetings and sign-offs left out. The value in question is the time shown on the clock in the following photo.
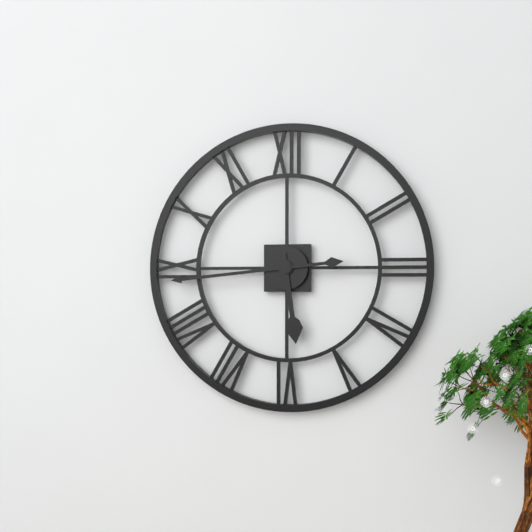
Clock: 5:44
